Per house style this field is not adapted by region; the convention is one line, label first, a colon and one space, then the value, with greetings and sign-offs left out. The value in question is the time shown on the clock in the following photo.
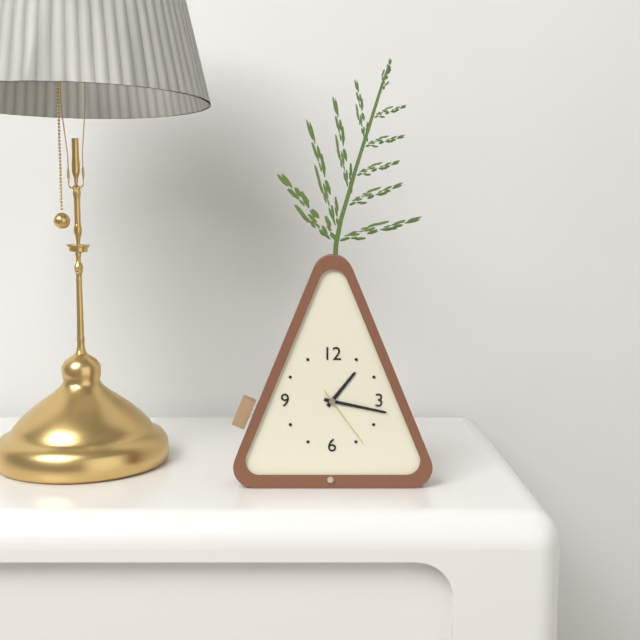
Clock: 1:17:24
